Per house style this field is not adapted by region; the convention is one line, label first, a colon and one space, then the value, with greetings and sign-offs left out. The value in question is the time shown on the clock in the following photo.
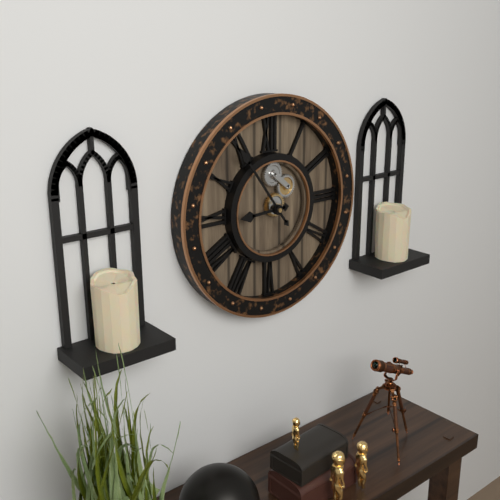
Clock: 8:54
